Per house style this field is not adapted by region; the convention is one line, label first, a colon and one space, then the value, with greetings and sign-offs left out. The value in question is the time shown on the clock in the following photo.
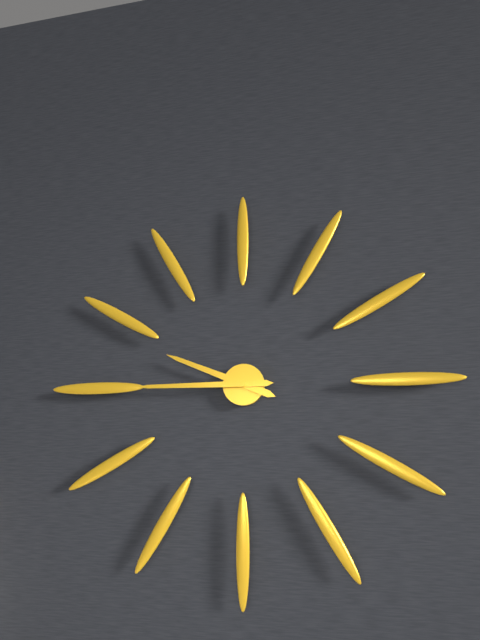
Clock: 9:45
